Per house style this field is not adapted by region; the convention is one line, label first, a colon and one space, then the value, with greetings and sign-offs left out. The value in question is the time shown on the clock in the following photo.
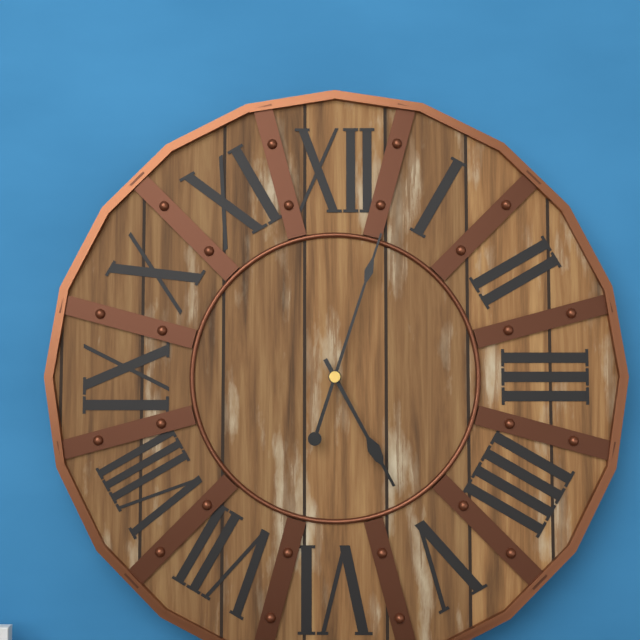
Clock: 5:03
